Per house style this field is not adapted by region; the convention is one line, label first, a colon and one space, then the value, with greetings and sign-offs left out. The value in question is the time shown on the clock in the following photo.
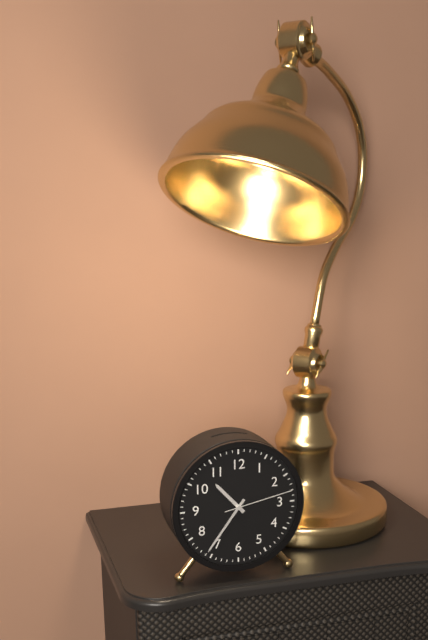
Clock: 10:36:13
